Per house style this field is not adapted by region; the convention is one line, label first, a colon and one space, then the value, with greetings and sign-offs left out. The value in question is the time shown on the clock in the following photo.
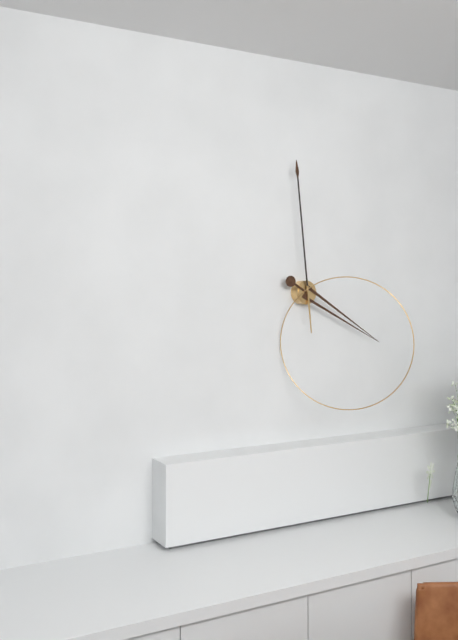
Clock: 3:59
